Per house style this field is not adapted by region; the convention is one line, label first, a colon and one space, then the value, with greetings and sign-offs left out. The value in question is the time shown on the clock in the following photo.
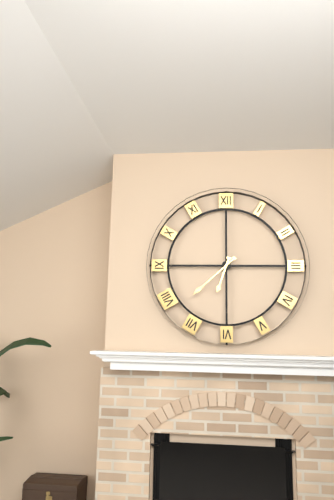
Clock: 6:38
